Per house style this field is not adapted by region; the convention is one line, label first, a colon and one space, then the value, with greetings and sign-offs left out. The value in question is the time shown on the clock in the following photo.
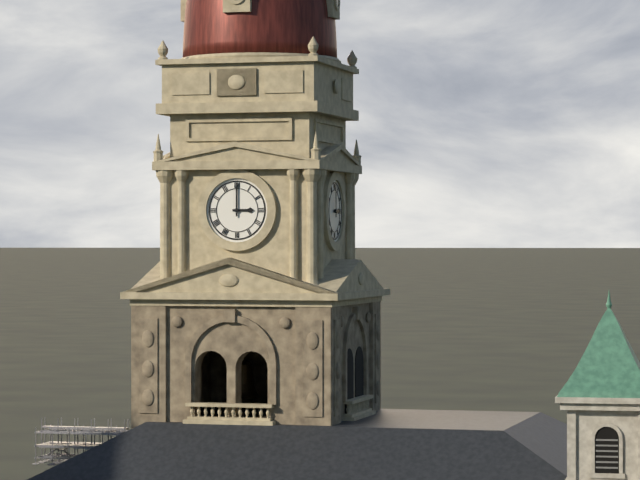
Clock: 3:00
